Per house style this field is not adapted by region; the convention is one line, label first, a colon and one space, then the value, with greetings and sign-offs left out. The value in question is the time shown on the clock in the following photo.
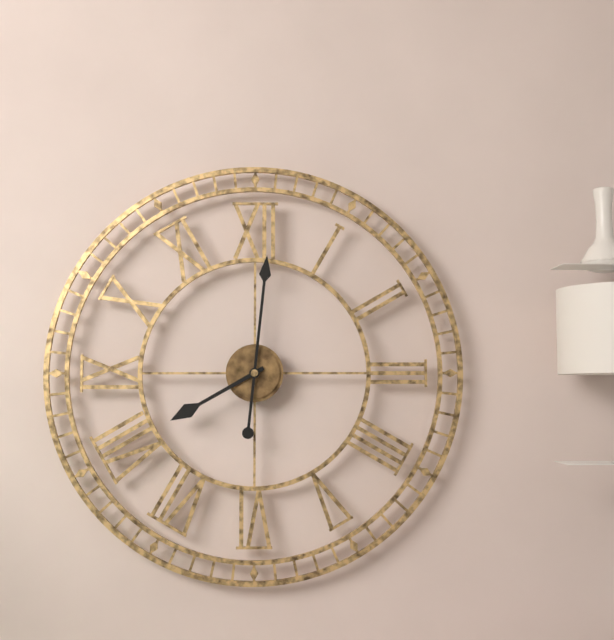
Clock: 8:01
